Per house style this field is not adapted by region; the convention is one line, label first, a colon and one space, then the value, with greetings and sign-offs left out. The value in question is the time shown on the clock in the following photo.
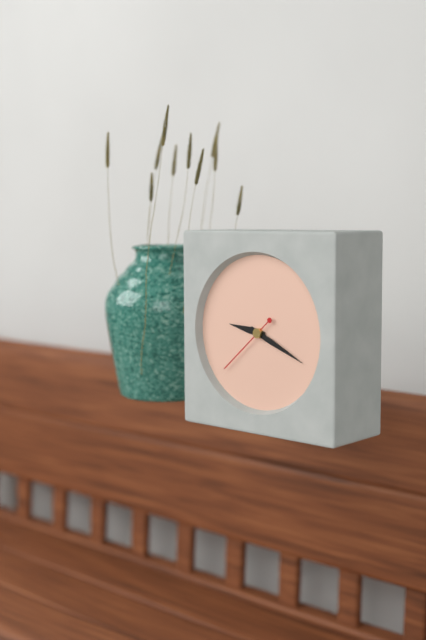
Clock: 9:19:38
